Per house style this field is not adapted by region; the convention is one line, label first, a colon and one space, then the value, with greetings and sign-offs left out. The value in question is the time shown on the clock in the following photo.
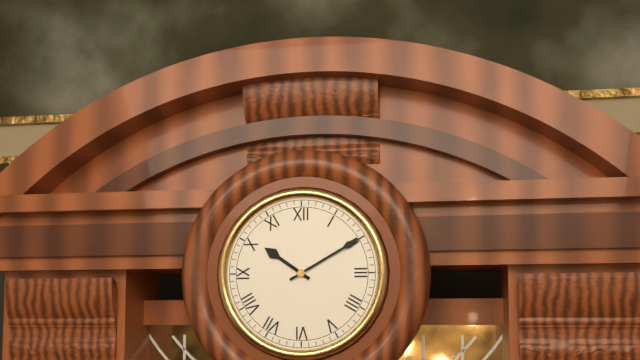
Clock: 10:10
